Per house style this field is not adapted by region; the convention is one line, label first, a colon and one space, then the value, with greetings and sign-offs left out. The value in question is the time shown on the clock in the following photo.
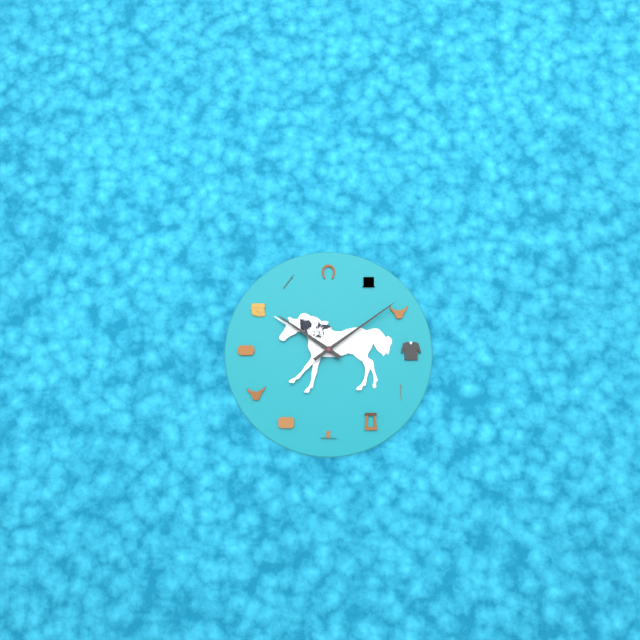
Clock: 10:09
